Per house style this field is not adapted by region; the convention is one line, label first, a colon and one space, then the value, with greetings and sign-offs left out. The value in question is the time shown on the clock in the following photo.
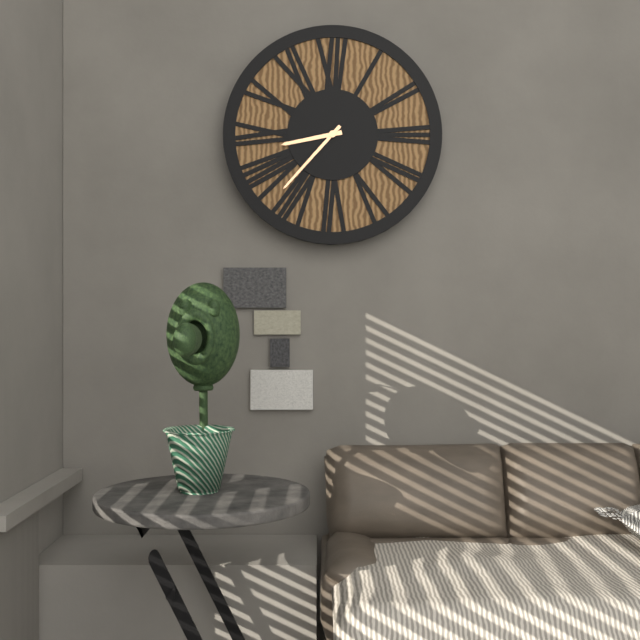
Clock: 8:37
